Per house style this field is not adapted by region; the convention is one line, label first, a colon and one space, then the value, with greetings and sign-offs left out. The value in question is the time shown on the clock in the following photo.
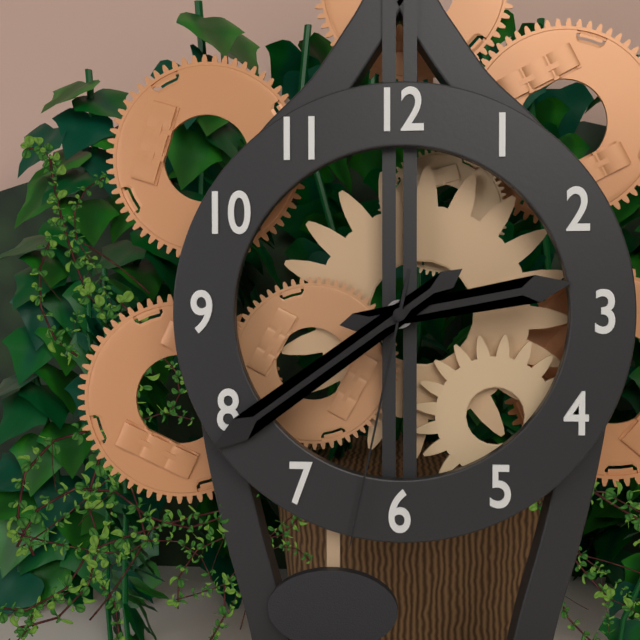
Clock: 2:39:32
